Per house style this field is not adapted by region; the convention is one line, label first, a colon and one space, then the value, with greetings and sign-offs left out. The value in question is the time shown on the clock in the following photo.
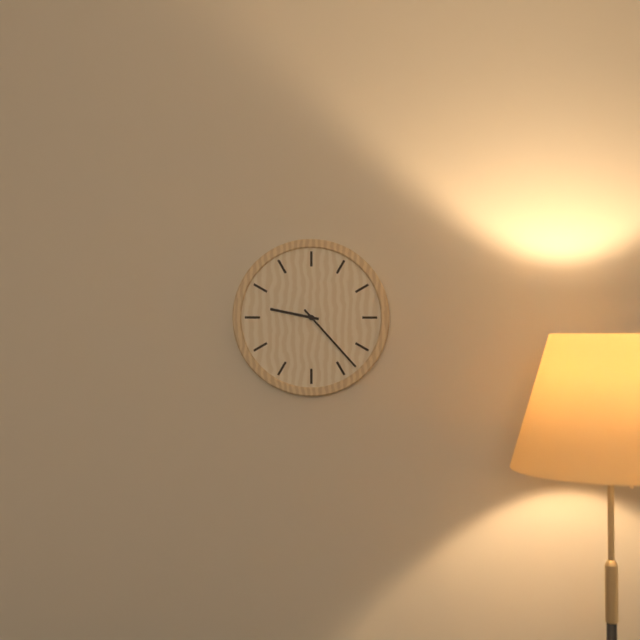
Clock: 9:23
